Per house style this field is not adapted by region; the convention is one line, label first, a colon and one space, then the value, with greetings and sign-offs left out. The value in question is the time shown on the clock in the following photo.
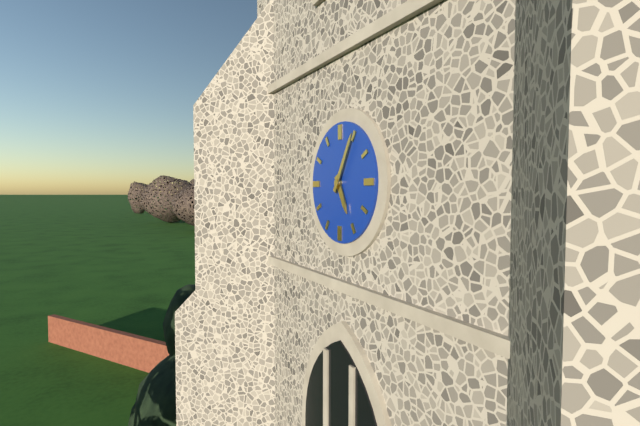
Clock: 5:05
